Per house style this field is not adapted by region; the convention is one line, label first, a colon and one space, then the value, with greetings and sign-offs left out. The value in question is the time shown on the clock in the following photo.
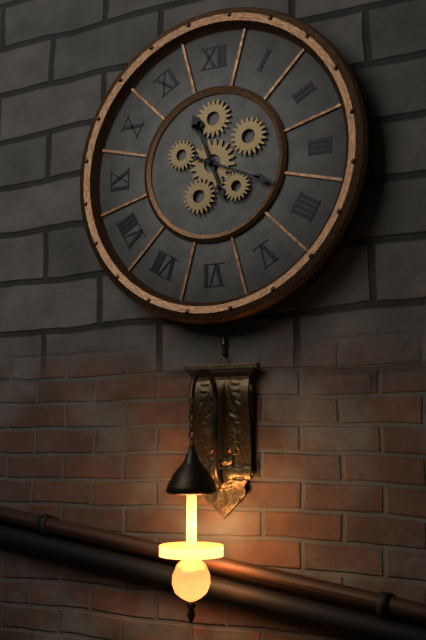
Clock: 11:19
